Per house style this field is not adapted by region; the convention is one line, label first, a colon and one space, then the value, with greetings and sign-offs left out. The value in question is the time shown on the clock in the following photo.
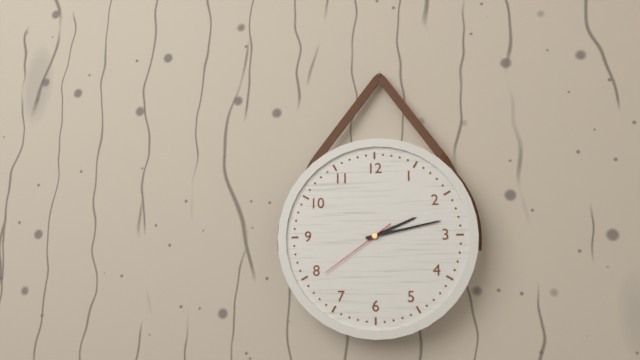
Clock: 2:13:39
